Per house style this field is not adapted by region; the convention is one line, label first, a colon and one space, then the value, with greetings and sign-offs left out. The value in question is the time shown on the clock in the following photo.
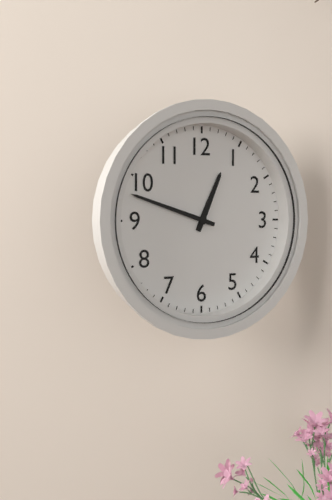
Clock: 12:48
